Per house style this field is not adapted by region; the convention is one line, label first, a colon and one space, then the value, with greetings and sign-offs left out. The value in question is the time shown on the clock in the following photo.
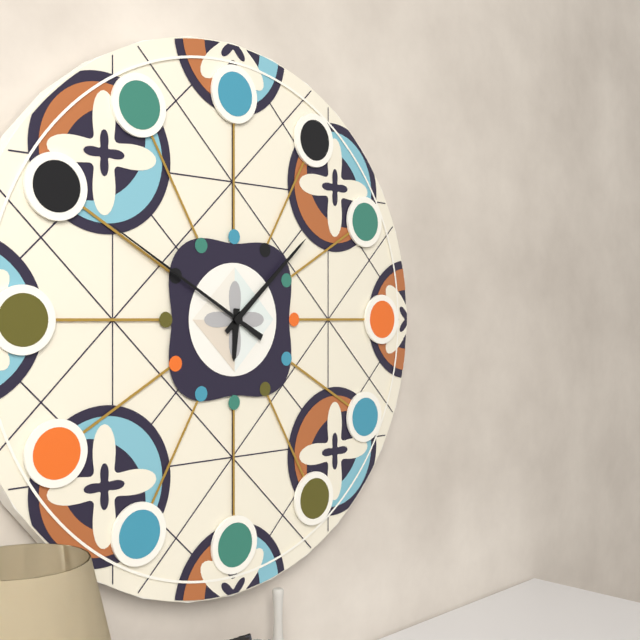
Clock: 6:08:50
